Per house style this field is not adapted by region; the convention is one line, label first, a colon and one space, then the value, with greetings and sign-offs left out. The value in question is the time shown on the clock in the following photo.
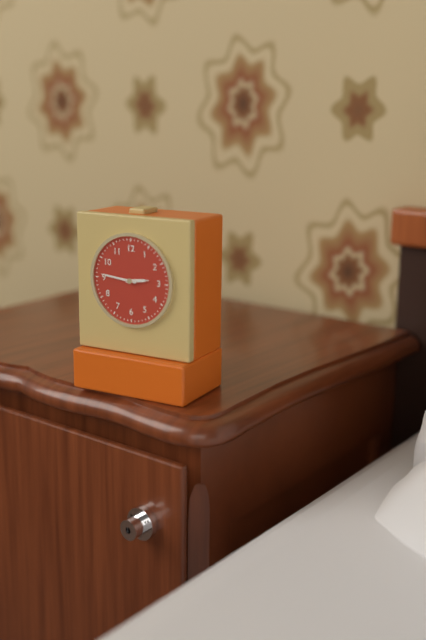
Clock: 2:46
